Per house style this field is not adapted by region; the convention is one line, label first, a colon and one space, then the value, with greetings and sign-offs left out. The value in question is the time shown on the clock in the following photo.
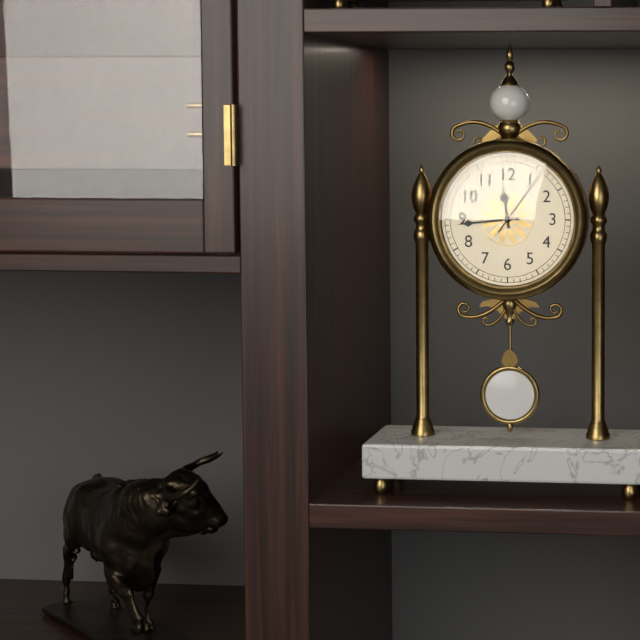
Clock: 11:44:06
